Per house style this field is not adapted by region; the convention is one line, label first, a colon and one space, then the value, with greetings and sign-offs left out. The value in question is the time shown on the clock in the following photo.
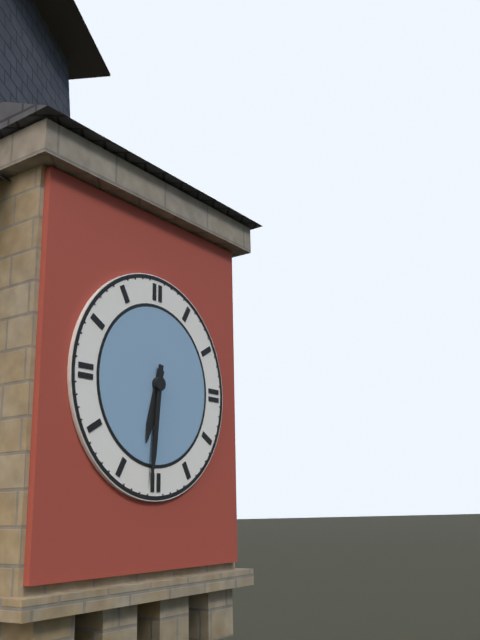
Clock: 6:31
